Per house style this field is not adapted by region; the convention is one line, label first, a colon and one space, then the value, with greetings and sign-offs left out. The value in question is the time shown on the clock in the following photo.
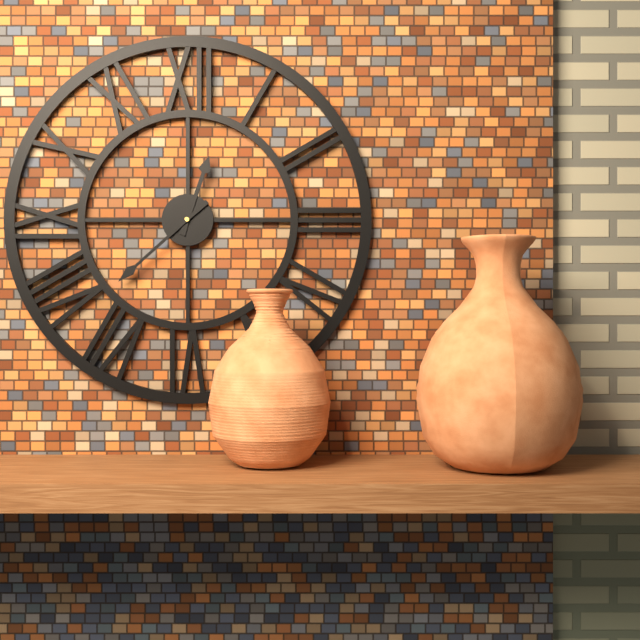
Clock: 12:38
